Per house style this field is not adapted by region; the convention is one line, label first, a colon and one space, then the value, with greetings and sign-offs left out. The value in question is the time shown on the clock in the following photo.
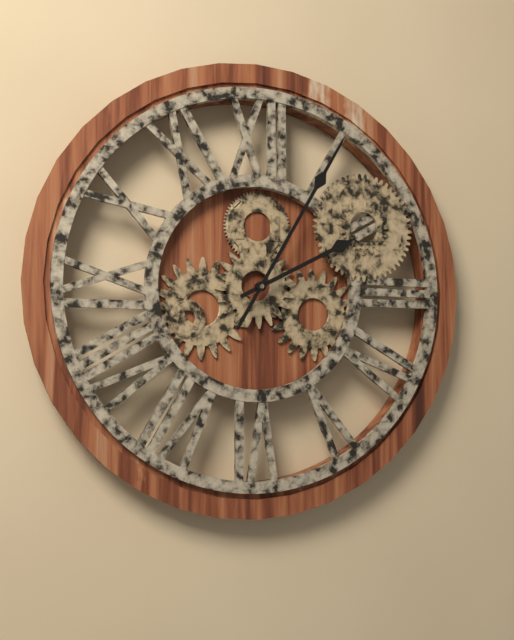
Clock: 2:05
